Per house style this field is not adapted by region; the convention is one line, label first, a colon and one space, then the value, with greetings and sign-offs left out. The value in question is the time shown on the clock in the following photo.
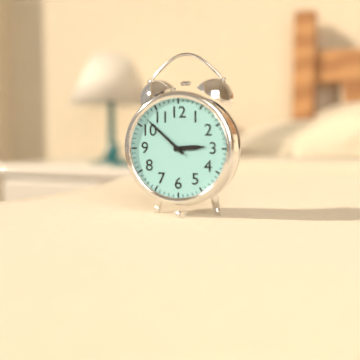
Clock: 2:52
